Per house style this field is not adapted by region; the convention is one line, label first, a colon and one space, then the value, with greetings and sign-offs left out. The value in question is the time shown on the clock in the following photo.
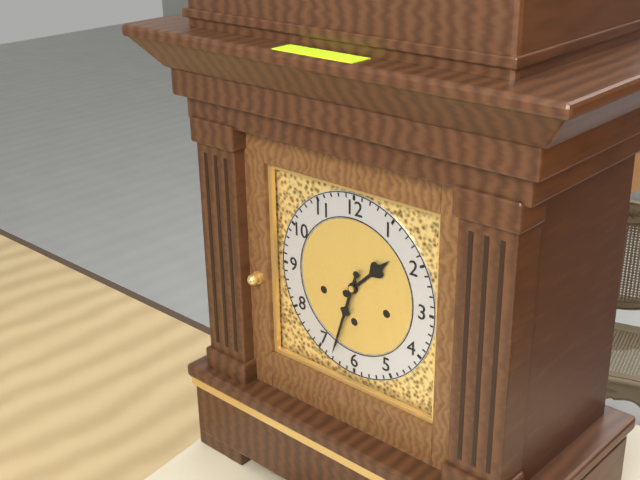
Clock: 1:33
